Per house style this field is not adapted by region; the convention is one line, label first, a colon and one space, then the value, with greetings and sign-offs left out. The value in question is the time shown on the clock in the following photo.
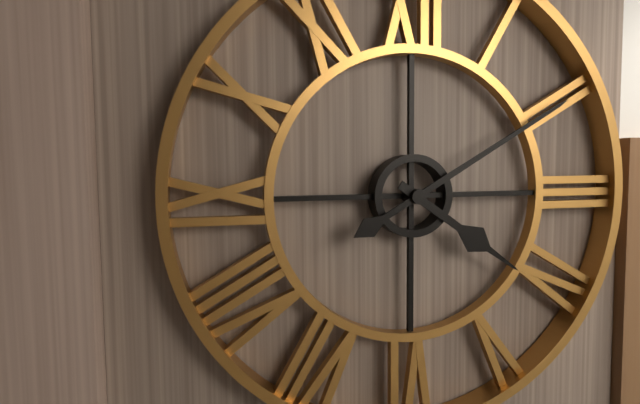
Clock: 4:10
